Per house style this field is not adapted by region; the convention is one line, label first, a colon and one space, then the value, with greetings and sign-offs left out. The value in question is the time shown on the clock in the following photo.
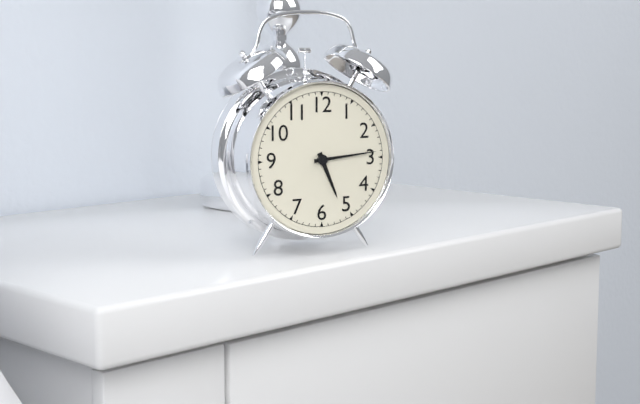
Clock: 5:14
